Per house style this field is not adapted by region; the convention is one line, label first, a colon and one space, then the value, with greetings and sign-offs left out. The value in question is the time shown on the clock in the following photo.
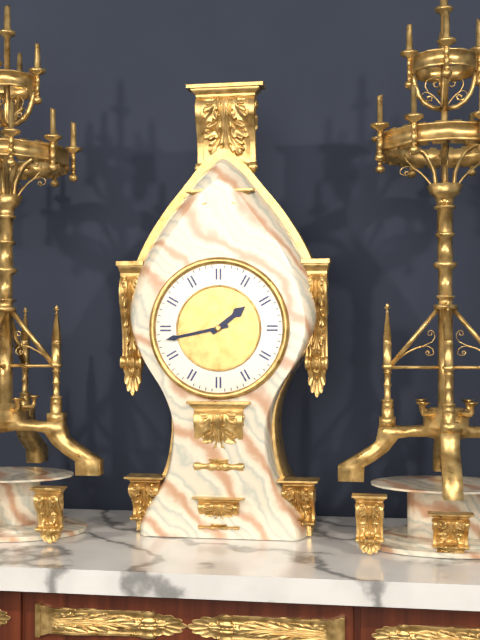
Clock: 1:43
